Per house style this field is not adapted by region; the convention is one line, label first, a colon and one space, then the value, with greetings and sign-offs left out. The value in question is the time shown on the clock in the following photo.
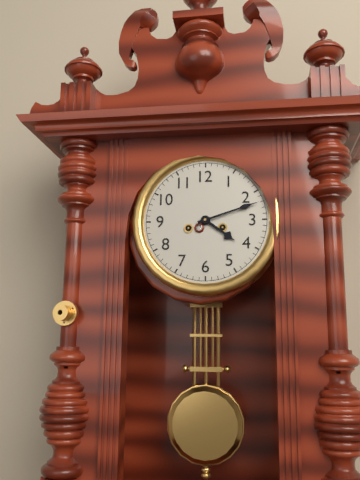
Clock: 4:12
